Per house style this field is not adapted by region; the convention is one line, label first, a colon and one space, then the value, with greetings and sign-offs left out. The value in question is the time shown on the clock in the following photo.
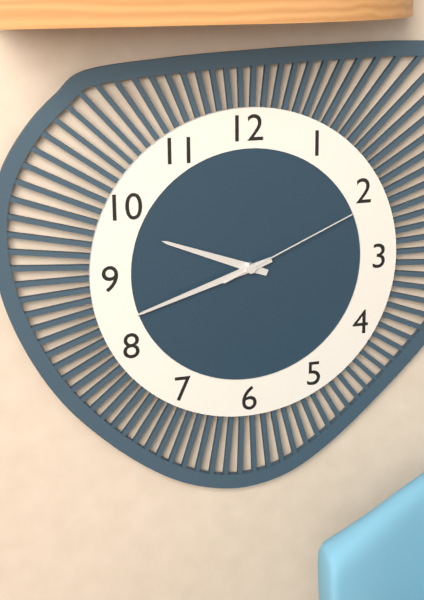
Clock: 9:42:11
